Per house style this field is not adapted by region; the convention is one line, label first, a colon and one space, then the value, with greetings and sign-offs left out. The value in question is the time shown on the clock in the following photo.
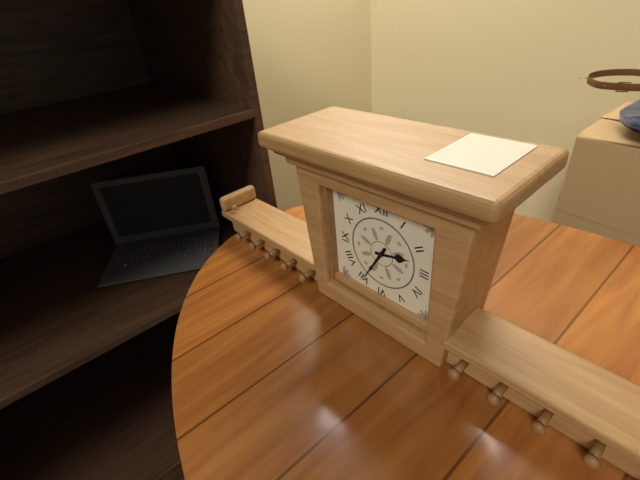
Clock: 2:35
